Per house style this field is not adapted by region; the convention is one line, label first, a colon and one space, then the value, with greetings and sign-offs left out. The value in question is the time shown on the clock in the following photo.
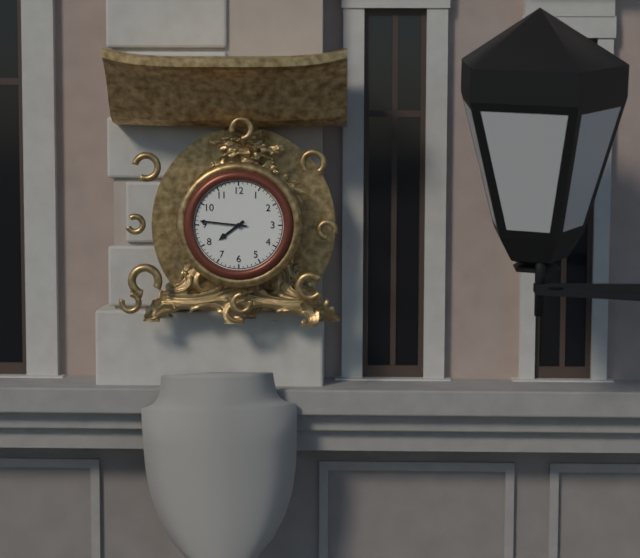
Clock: 7:46
